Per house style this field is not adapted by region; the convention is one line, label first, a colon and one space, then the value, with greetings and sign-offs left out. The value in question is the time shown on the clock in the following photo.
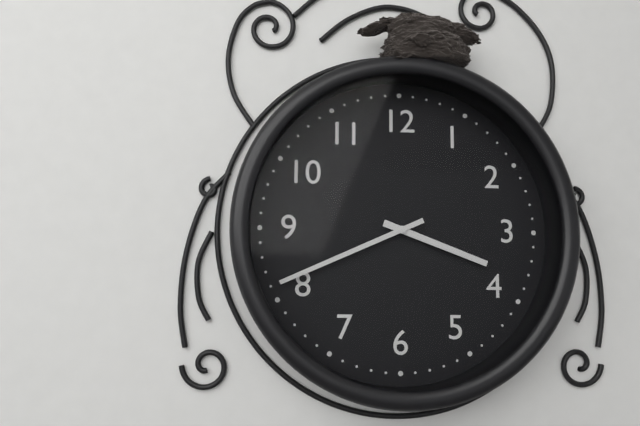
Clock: 3:41
